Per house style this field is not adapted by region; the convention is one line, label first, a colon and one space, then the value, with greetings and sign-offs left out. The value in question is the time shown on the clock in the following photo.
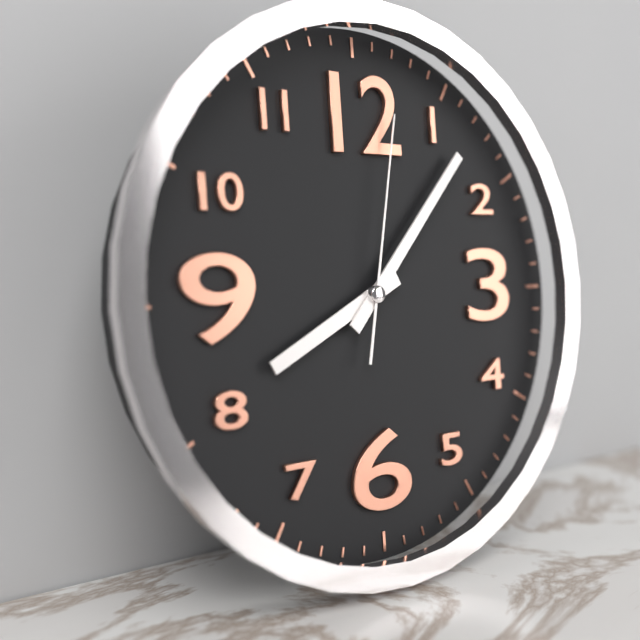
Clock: 8:07:02
